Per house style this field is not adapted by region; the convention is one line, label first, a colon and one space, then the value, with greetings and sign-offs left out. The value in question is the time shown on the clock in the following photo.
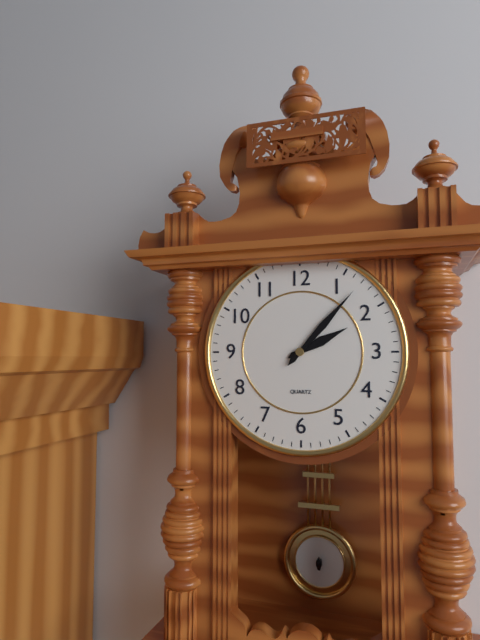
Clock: 2:07
